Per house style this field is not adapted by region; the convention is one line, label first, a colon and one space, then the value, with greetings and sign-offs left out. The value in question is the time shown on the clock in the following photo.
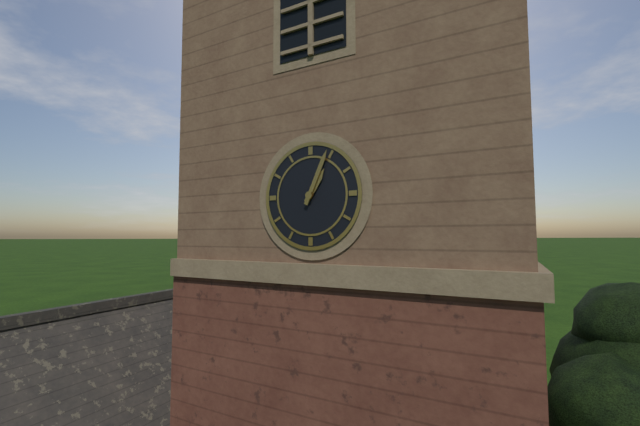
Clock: 1:04
